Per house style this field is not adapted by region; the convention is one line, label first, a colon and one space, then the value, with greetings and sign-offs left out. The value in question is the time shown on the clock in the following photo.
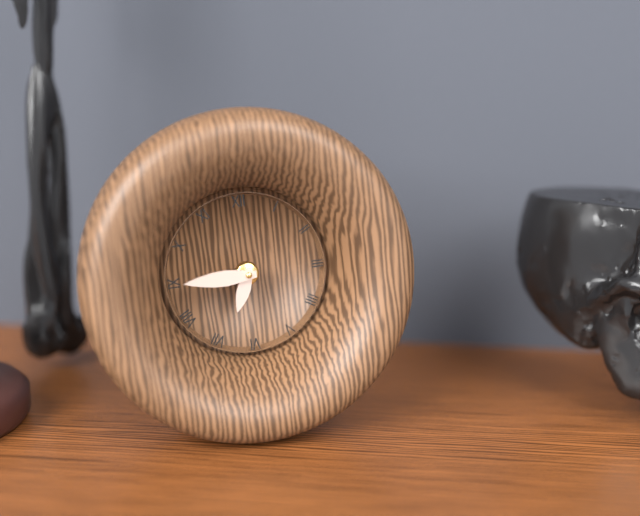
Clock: 6:45
